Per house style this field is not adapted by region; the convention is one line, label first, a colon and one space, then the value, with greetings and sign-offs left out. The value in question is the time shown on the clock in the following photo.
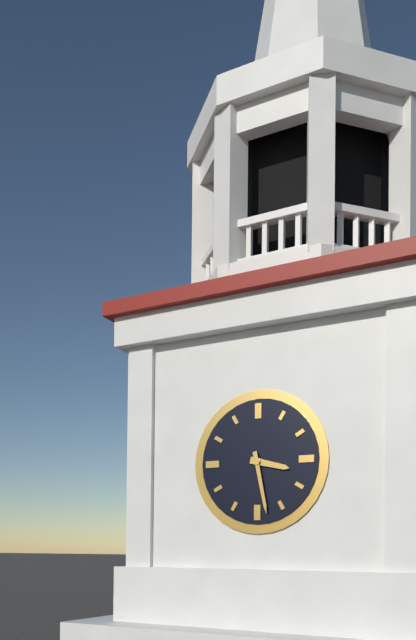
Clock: 3:28
